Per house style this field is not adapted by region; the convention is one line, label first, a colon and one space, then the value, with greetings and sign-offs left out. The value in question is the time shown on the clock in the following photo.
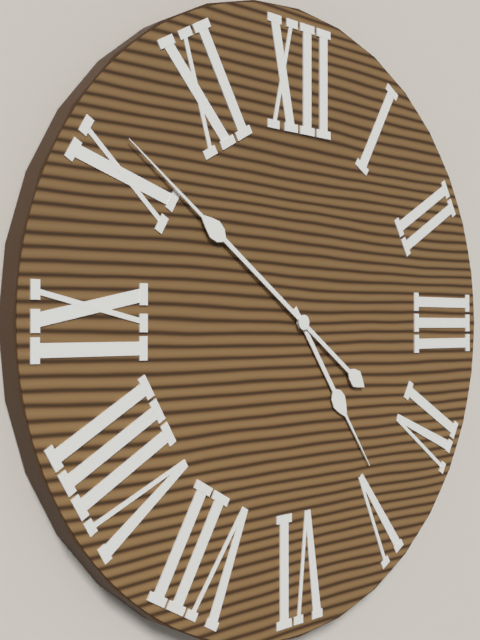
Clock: 4:51
